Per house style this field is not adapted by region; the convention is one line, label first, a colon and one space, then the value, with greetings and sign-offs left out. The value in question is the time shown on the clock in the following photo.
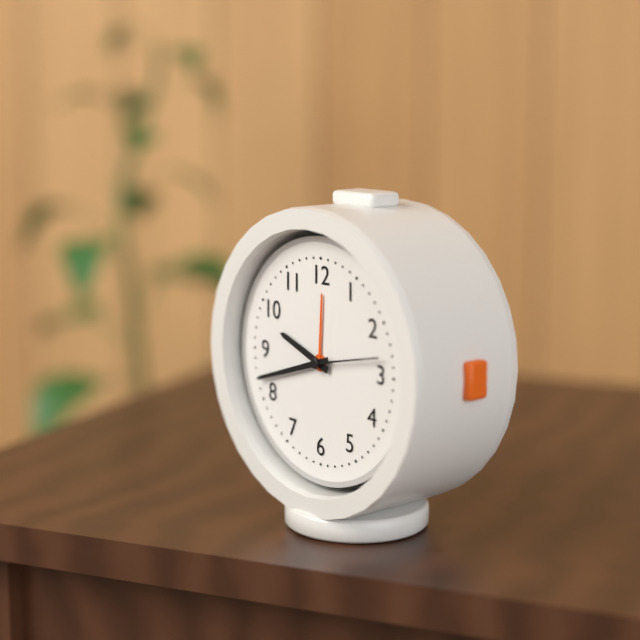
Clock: 9:42:13
